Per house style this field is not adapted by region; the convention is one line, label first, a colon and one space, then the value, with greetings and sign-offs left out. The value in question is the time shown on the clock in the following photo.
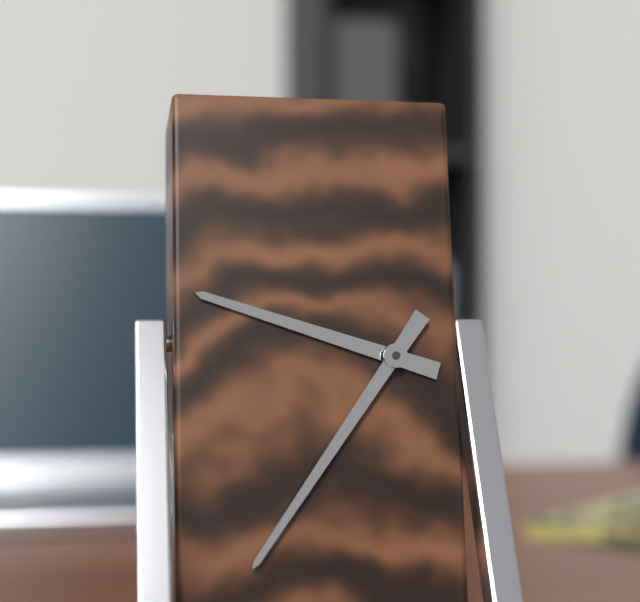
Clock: 9:36
